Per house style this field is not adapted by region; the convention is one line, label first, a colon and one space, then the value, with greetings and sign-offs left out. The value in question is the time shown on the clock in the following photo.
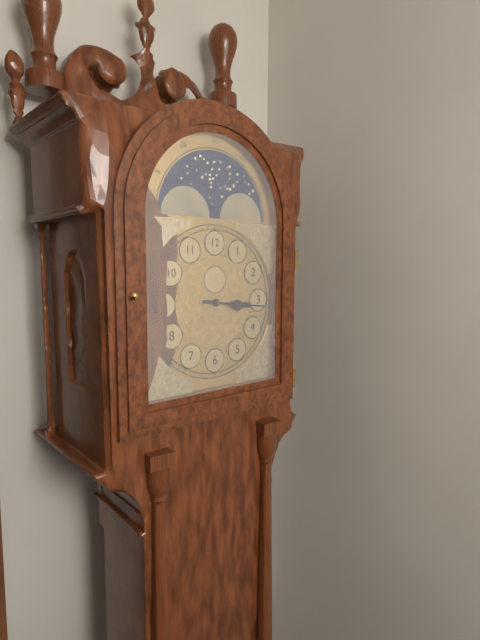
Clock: 3:16
